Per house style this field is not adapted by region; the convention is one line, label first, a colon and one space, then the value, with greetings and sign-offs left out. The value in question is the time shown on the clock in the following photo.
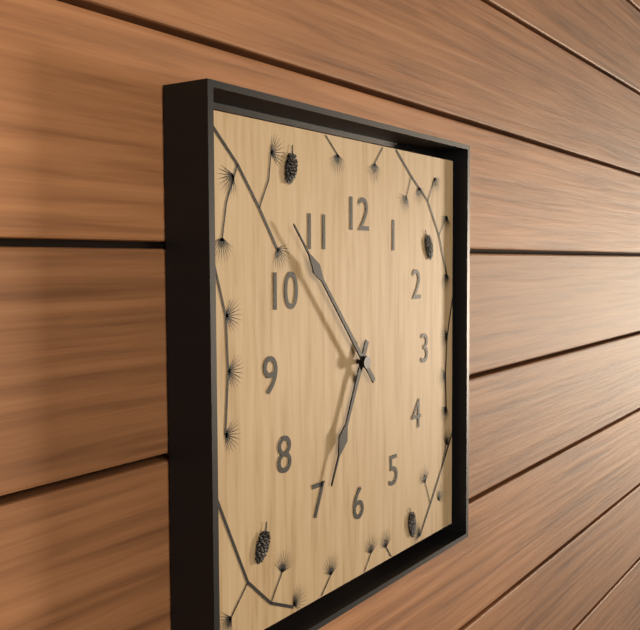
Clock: 6:53
